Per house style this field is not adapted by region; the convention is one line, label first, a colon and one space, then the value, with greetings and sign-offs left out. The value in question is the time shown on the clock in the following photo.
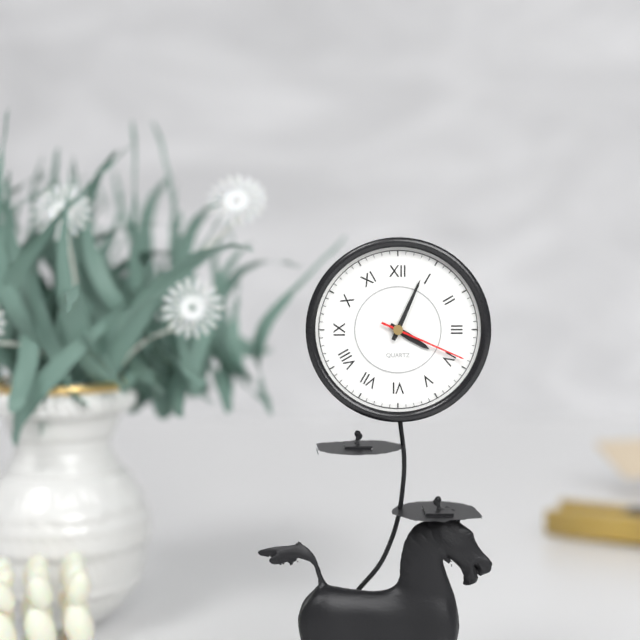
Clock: 4:04:19
